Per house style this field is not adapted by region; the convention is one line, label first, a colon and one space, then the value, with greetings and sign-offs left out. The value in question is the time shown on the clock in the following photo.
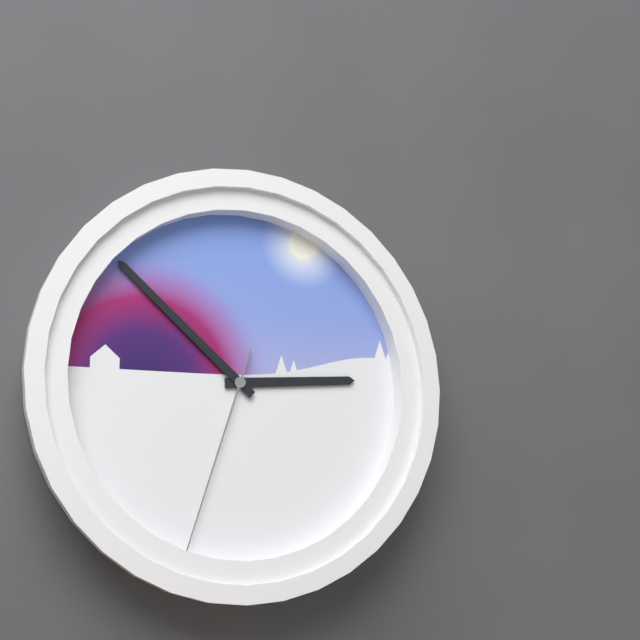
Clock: 2:52:33
